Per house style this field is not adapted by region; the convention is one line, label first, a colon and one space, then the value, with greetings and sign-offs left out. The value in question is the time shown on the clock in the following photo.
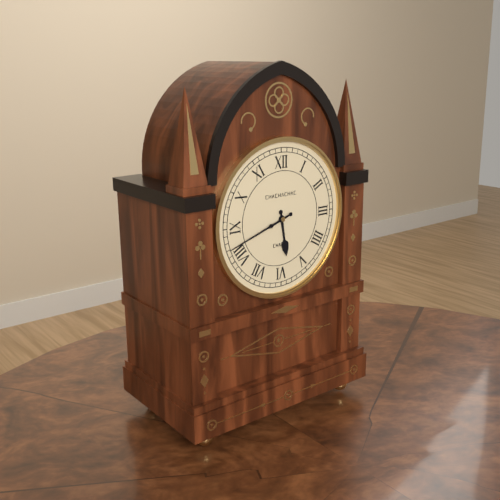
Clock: 5:42
